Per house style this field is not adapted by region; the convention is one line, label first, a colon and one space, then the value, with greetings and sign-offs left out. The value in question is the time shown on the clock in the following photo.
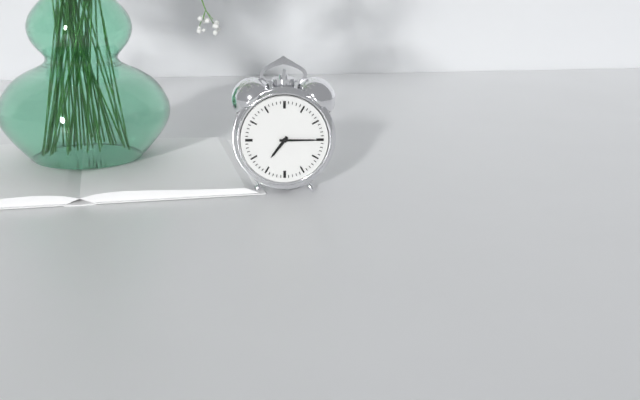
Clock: 7:15
